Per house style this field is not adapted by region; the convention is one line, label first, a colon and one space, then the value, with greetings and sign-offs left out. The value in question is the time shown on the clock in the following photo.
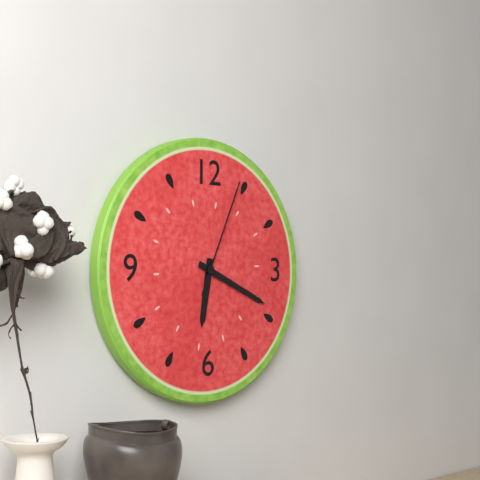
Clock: 6:19:04
